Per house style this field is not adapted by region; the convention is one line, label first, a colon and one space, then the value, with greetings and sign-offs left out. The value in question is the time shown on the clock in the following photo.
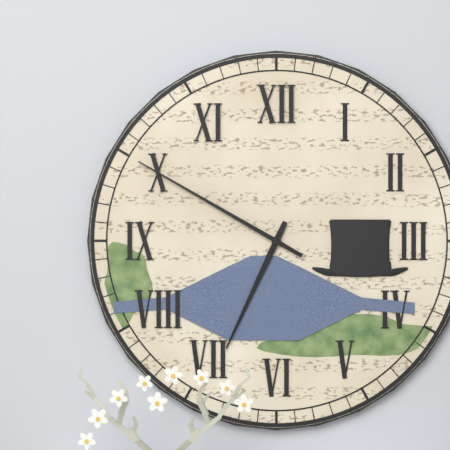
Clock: 6:50
